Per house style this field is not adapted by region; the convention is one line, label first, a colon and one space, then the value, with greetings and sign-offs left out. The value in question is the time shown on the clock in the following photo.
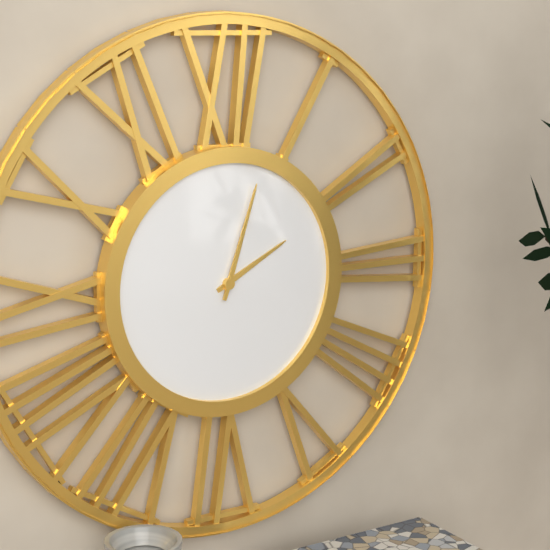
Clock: 2:03
